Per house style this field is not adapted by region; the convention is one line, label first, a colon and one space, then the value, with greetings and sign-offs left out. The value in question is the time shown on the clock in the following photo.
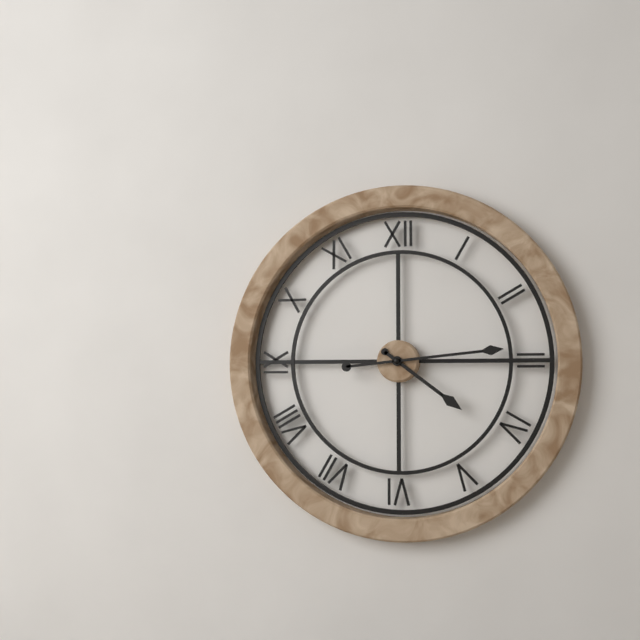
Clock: 4:14
